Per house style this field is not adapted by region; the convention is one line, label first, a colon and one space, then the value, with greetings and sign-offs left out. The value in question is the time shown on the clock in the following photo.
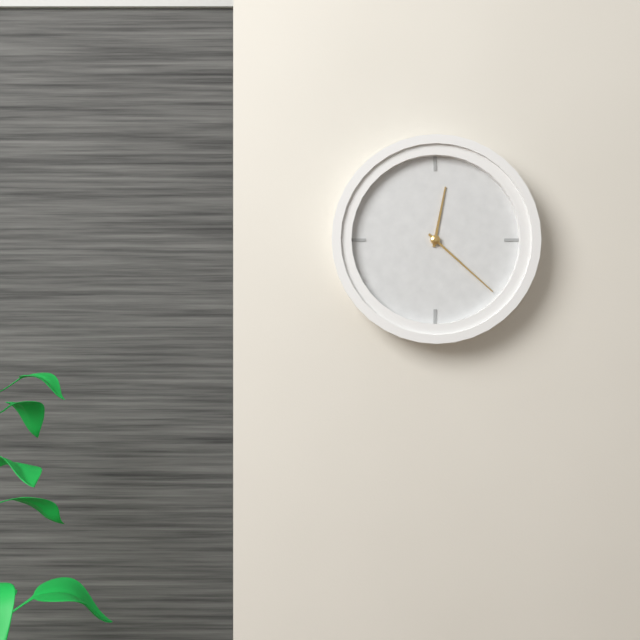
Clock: 12:22
